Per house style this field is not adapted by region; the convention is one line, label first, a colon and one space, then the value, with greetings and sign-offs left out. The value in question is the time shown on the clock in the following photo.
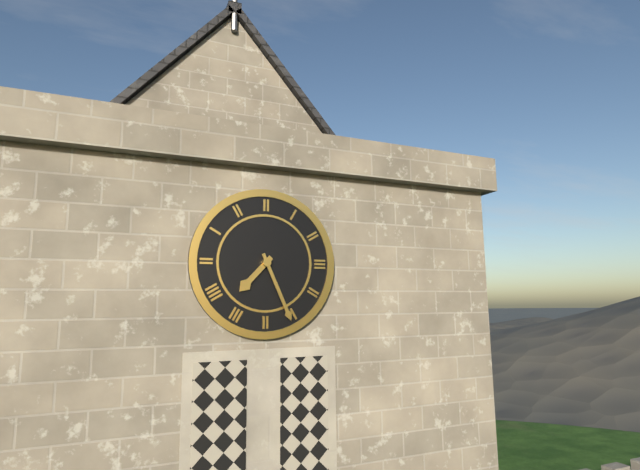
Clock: 7:26
